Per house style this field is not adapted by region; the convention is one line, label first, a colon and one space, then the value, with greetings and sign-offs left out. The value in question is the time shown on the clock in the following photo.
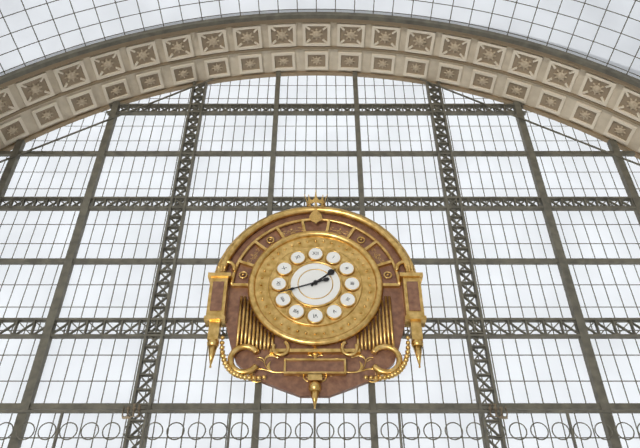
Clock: 1:42
